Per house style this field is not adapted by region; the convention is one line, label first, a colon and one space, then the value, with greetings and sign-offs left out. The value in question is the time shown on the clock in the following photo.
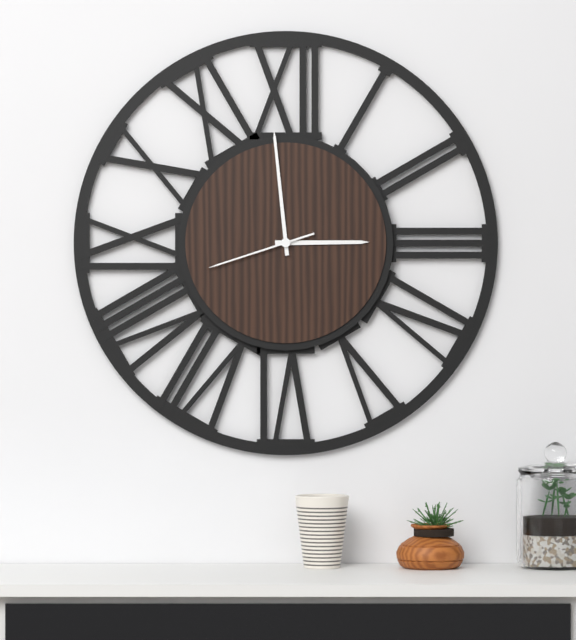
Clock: 2:59:42
